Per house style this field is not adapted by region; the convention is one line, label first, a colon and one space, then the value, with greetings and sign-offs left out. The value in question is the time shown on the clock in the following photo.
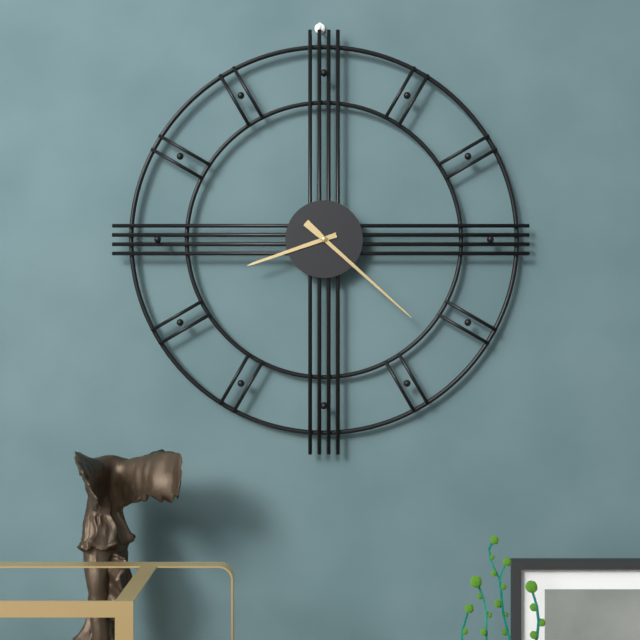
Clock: 8:22
